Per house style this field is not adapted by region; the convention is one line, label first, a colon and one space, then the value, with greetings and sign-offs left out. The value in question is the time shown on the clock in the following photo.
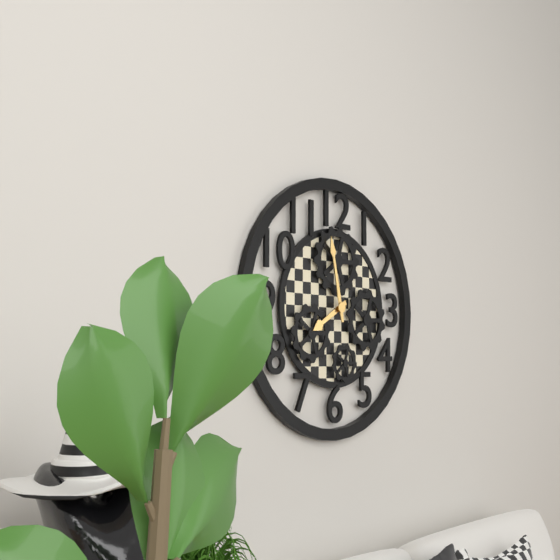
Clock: 7:58
